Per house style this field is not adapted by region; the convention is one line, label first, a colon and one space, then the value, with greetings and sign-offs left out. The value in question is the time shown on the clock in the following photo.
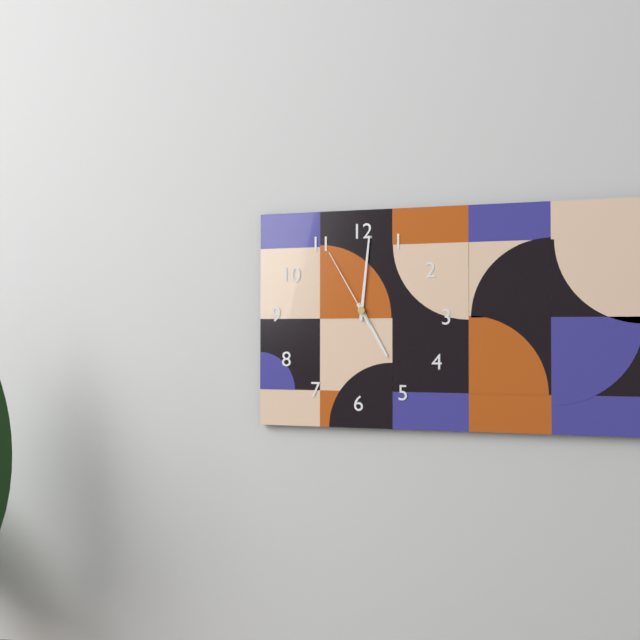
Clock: 5:01:55
